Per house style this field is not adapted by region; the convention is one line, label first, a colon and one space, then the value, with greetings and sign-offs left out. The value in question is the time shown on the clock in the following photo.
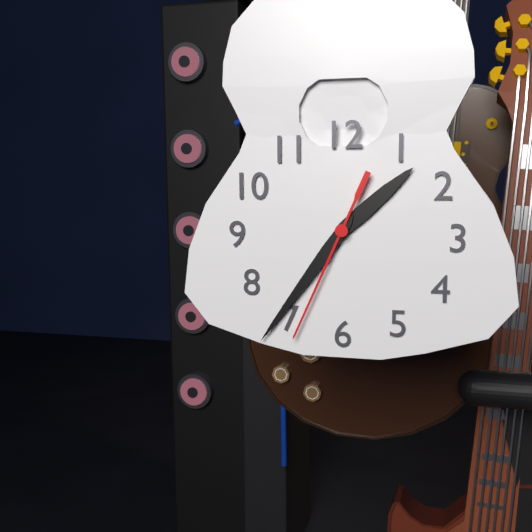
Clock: 1:36:34
